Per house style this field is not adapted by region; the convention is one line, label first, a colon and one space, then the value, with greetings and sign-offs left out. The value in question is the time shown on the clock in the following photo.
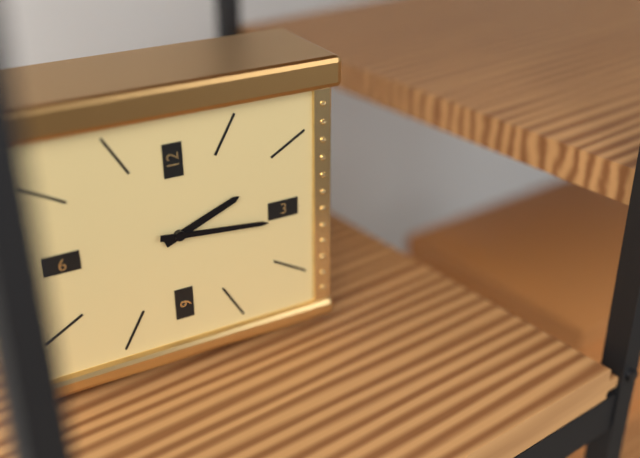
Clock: 2:16
